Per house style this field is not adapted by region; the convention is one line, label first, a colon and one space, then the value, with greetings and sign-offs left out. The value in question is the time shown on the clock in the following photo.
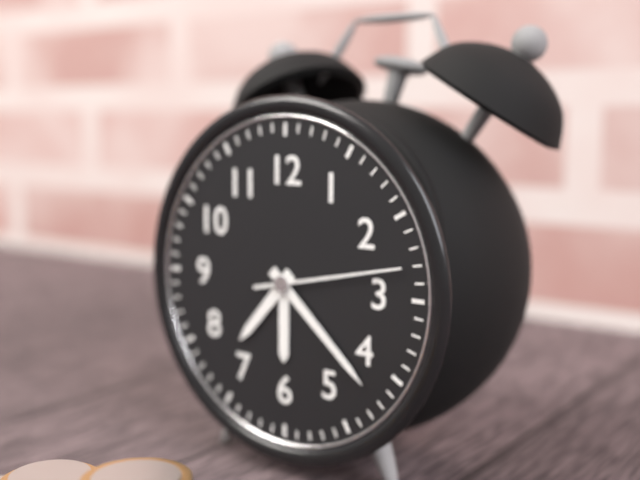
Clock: 7:22:13
